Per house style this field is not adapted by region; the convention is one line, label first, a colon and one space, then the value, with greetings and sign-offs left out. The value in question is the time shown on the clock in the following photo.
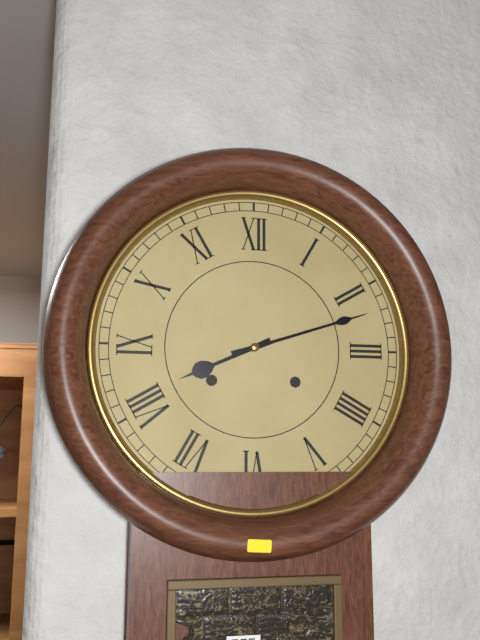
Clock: 8:12
